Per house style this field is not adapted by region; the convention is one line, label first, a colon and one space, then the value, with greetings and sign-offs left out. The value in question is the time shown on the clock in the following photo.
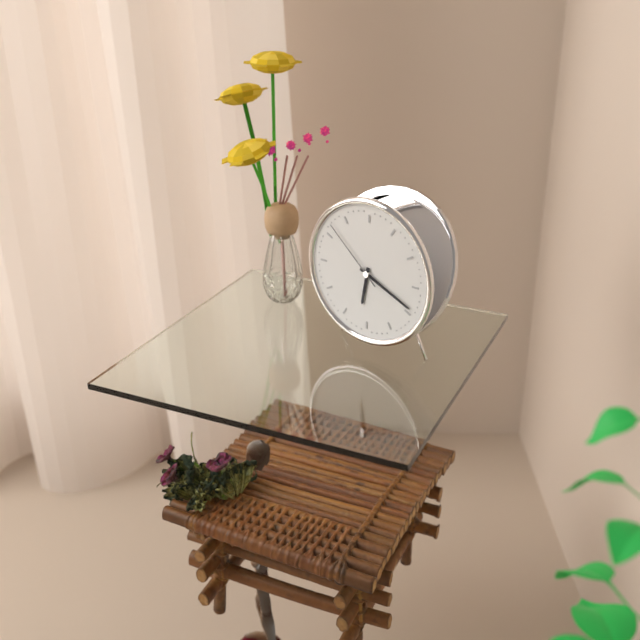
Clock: 6:19:52
